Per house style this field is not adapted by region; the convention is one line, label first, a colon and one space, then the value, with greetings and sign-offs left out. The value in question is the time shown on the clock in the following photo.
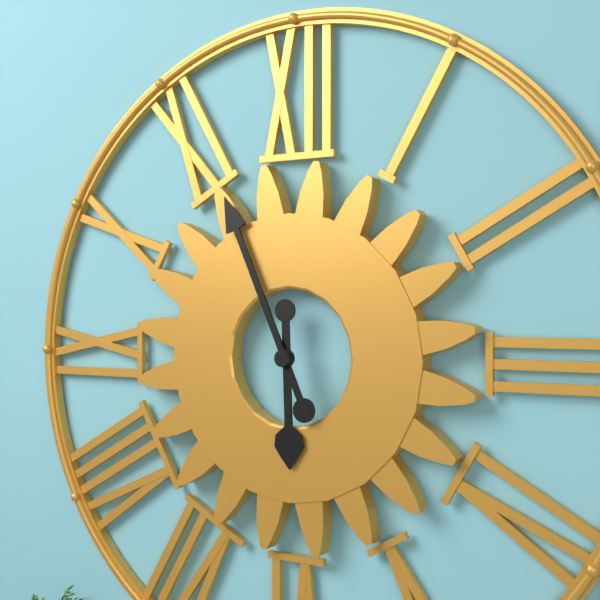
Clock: 5:56
